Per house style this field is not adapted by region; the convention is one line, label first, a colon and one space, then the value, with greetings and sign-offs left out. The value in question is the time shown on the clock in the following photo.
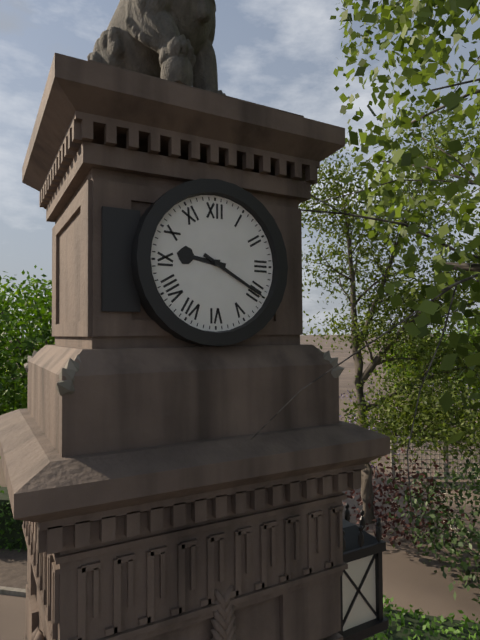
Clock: 9:20
